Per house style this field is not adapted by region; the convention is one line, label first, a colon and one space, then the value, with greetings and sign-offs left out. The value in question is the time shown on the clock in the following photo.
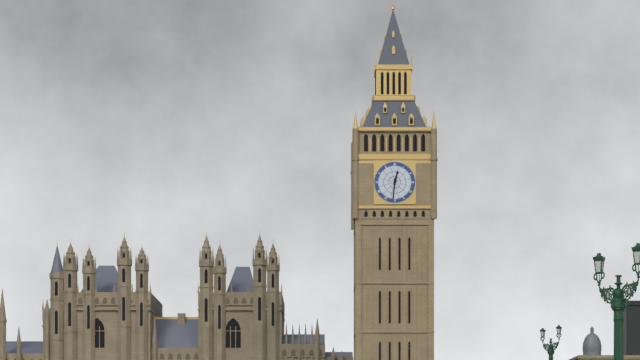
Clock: 12:31
